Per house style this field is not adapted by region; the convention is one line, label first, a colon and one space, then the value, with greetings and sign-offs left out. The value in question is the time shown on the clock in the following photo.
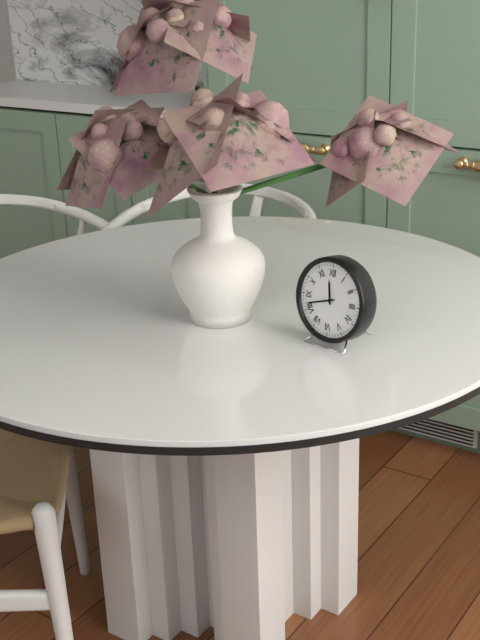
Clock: 11:42
